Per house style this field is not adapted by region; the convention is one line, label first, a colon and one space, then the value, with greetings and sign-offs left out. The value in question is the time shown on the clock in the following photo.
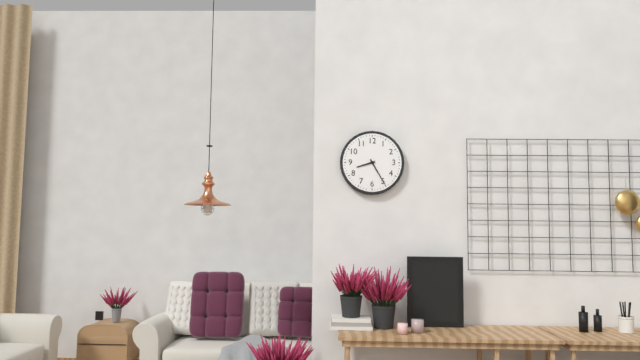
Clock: 8:25
